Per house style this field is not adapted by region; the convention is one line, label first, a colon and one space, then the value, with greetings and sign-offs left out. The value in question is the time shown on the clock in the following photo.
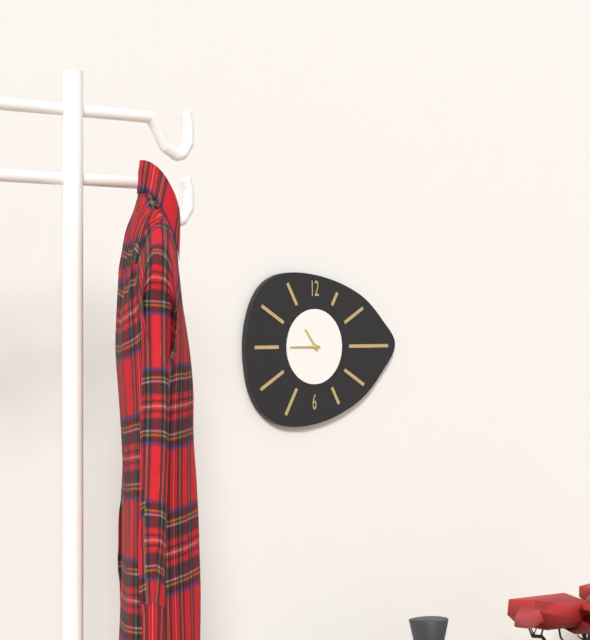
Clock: 10:45
